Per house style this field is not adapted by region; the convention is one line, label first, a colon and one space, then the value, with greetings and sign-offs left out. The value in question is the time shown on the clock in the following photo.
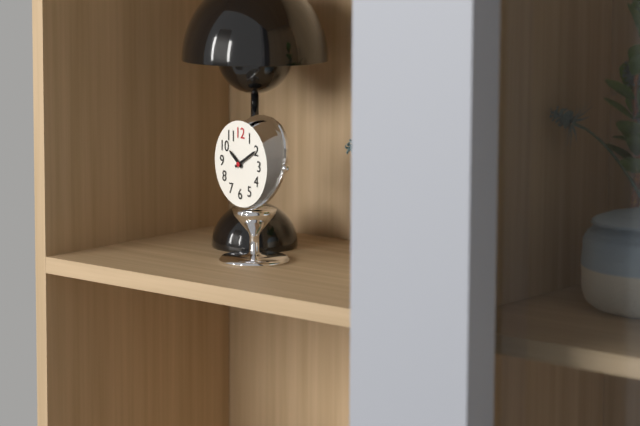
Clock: 10:10
